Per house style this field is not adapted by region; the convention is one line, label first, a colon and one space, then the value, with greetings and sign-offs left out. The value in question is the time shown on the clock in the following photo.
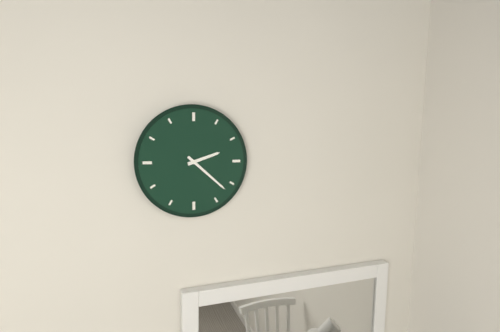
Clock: 2:22
